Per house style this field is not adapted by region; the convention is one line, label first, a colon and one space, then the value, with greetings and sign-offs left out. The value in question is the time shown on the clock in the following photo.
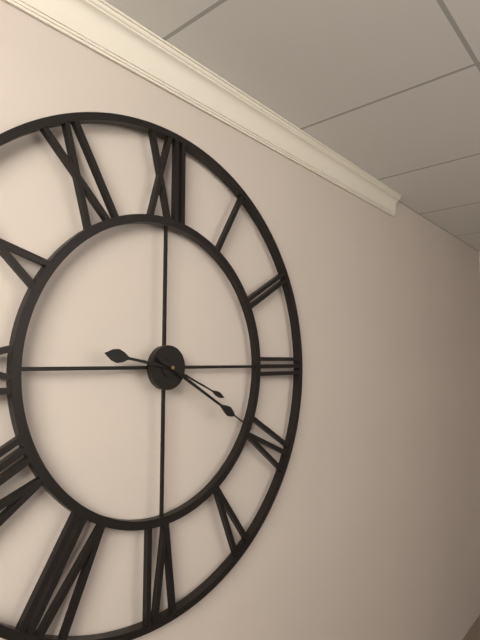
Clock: 9:20:19
